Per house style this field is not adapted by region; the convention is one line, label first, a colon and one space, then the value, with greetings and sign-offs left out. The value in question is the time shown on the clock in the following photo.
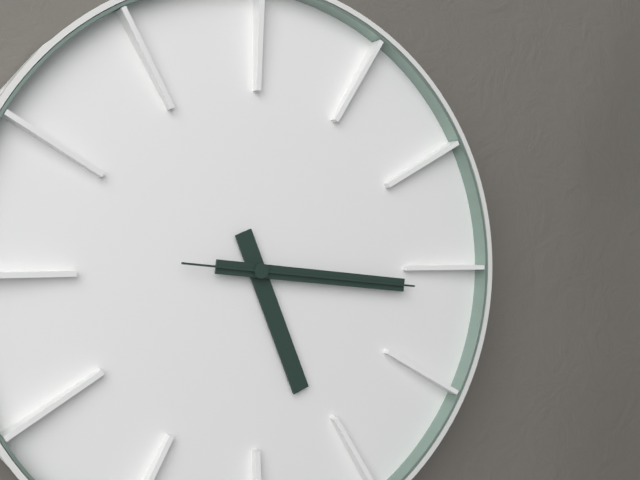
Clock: 5:16:16
